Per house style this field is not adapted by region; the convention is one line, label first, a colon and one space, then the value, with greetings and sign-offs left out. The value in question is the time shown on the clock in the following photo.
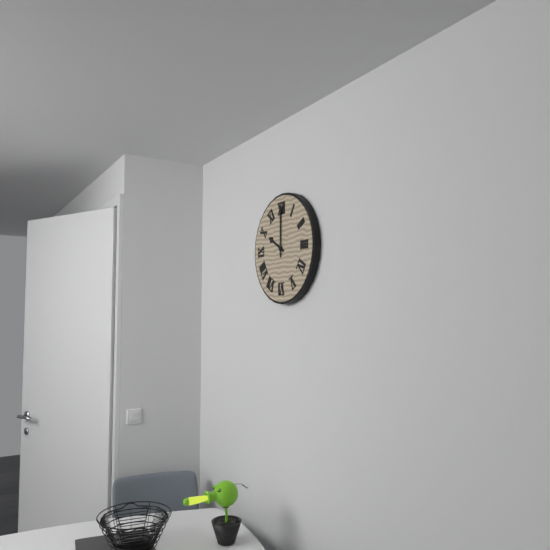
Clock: 10:00
